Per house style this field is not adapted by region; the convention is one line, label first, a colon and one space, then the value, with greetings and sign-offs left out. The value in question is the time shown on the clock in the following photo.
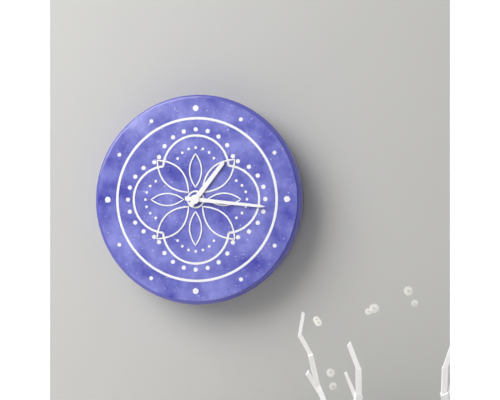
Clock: 1:16
